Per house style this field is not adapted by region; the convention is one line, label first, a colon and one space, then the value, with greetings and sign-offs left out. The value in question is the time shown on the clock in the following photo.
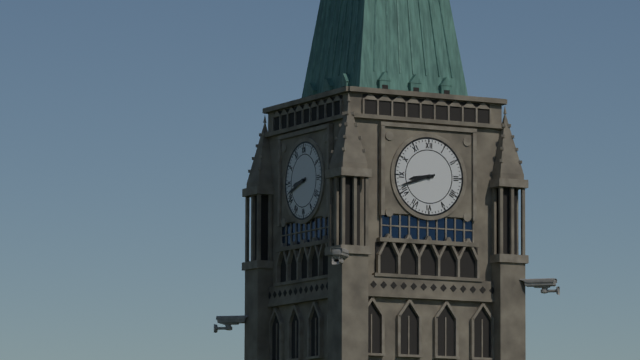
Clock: 8:42
